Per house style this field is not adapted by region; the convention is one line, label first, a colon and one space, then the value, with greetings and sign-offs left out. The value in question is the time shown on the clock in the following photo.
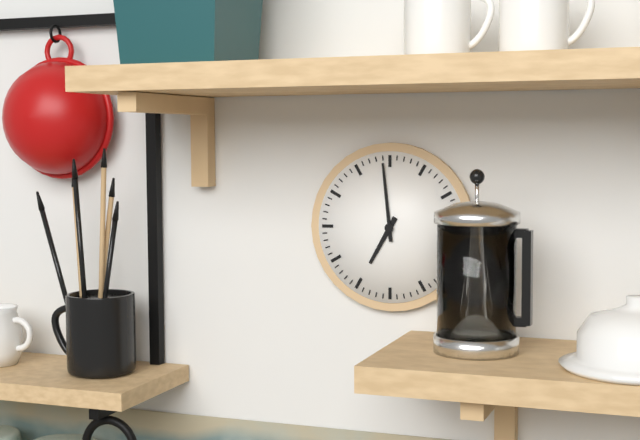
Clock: 6:59
